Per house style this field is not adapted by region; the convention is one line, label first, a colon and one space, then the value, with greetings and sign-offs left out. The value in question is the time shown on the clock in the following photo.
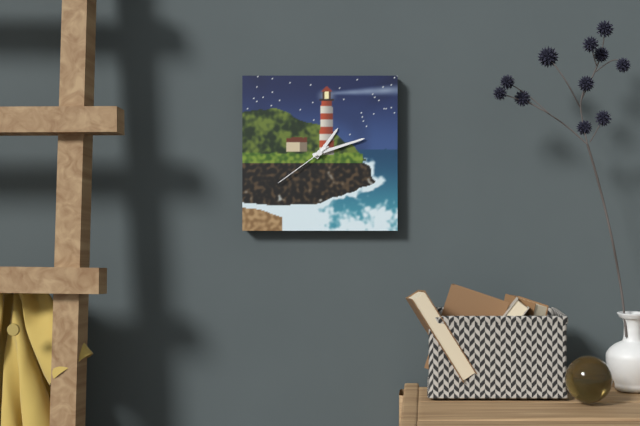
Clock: 1:12:39
